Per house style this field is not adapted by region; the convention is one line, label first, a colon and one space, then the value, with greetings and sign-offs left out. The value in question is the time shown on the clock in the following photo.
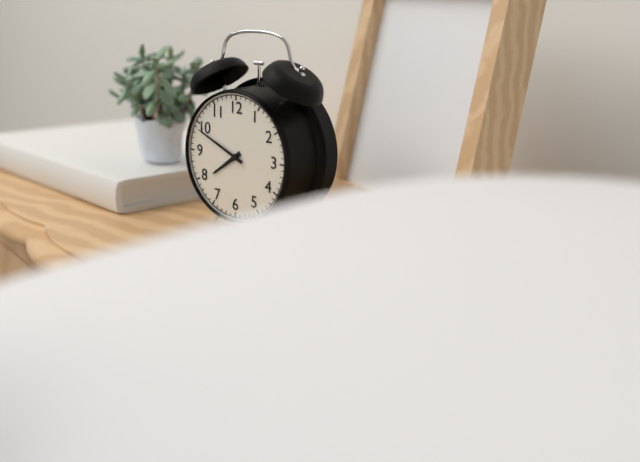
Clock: 7:49
